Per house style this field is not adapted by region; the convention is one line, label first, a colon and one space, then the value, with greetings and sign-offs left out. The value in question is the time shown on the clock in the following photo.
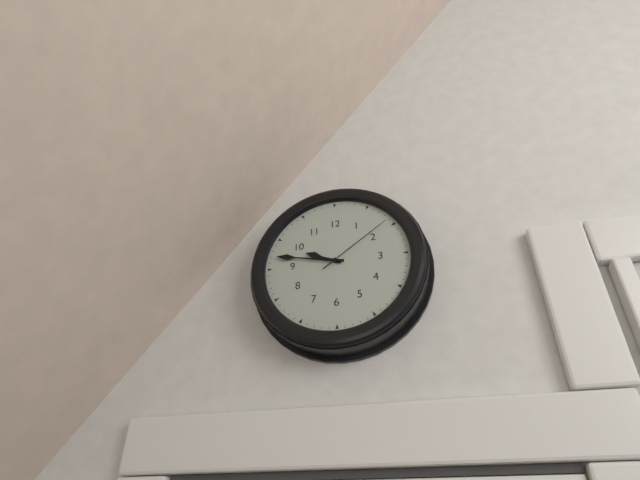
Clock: 9:47:09
